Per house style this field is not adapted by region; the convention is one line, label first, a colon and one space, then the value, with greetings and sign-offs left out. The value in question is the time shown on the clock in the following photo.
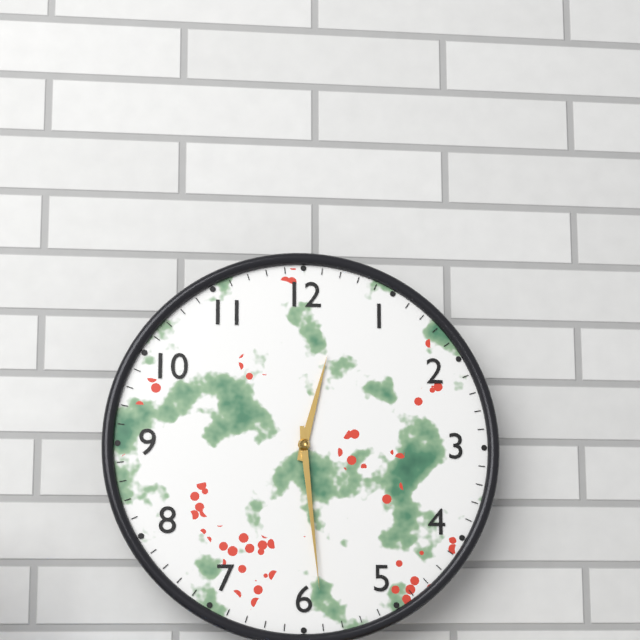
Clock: 12:29
